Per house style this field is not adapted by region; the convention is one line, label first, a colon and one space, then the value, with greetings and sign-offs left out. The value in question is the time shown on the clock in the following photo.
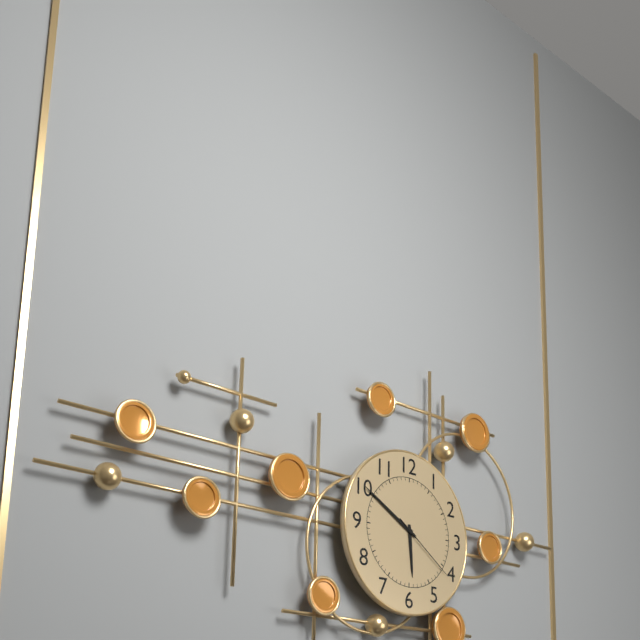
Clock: 5:50:21
